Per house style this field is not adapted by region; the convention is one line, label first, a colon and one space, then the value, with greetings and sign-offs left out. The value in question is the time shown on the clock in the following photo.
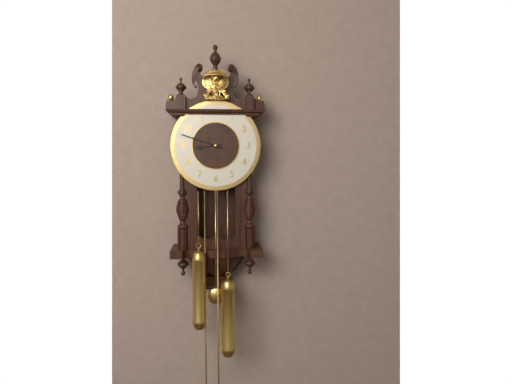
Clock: 8:48
